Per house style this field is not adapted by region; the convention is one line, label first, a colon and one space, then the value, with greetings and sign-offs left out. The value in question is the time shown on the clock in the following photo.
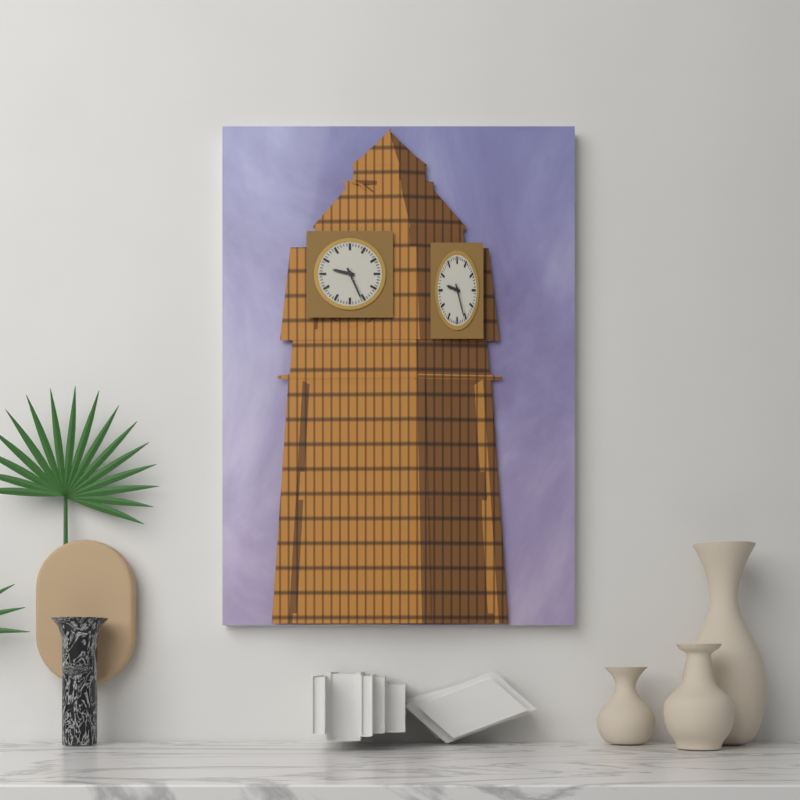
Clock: 9:26
